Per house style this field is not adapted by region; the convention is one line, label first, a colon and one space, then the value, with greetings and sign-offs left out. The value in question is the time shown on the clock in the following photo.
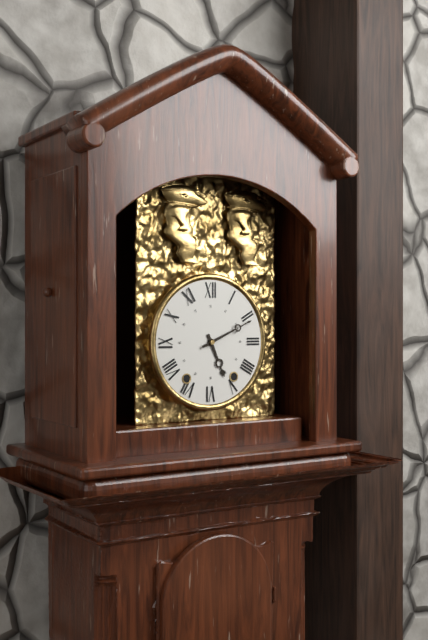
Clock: 5:11
